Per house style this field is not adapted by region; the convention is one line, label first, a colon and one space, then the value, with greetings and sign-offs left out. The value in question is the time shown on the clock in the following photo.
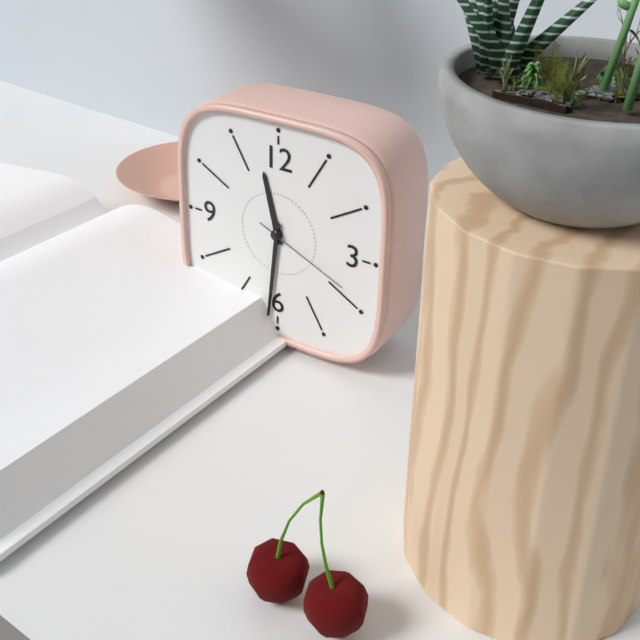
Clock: 11:31:19
